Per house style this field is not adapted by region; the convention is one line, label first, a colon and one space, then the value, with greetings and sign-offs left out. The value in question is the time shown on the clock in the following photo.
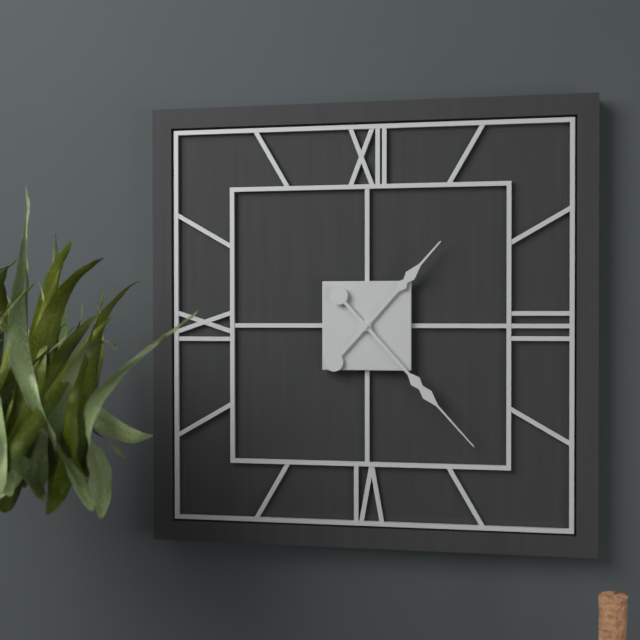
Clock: 1:23
